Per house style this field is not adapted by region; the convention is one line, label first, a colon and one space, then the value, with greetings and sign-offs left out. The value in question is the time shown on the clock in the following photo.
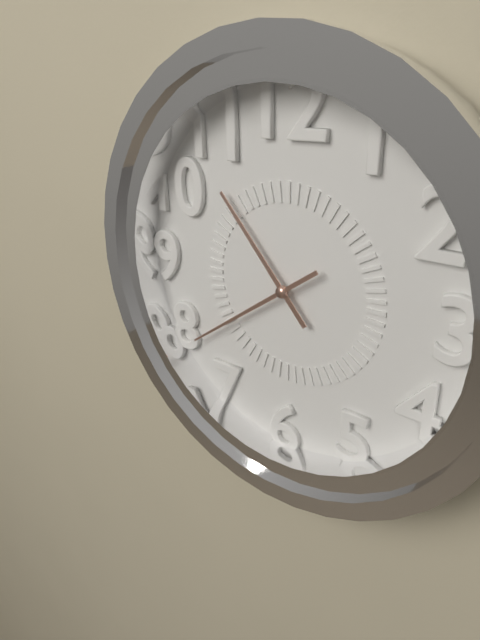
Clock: 10:39
